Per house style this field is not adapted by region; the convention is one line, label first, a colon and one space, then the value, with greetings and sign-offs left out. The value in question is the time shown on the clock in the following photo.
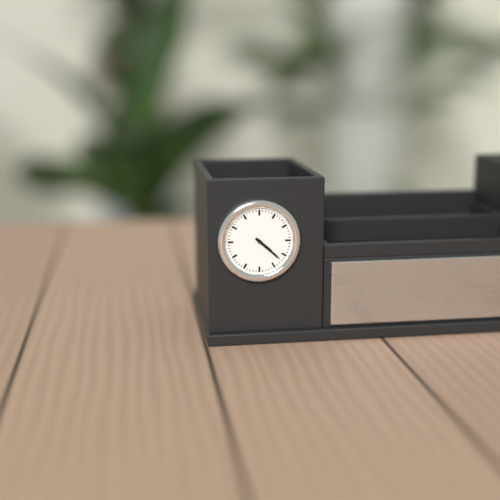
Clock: 4:22
